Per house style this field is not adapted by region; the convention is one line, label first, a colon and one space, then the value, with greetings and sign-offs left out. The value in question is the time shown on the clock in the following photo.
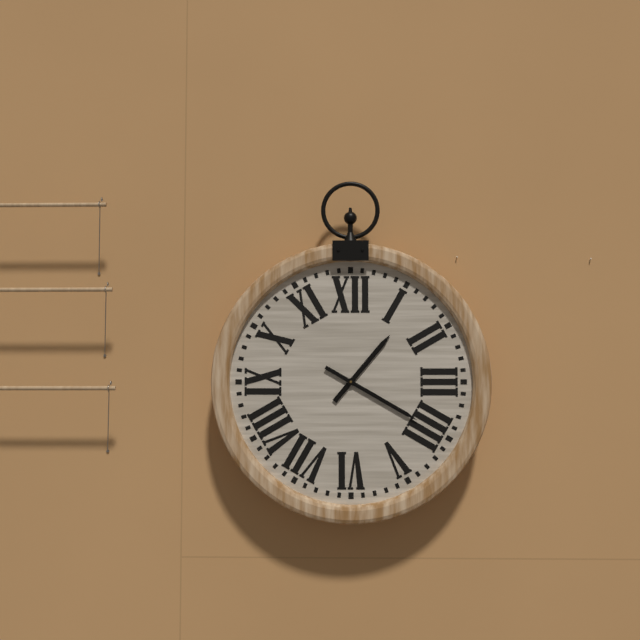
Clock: 1:20
